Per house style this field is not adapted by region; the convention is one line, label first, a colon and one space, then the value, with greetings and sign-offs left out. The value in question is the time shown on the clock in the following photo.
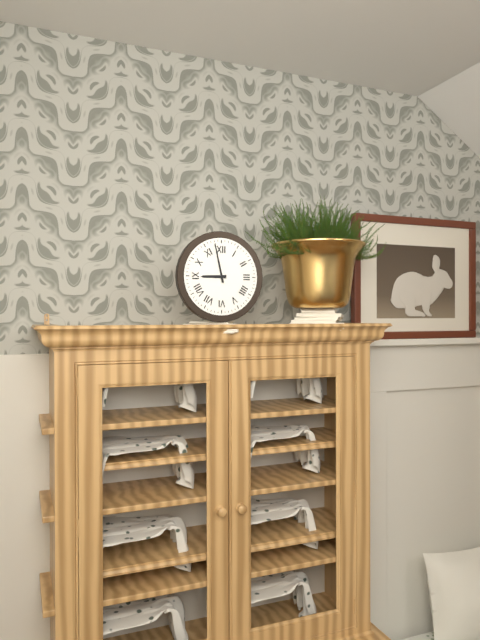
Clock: 8:58
